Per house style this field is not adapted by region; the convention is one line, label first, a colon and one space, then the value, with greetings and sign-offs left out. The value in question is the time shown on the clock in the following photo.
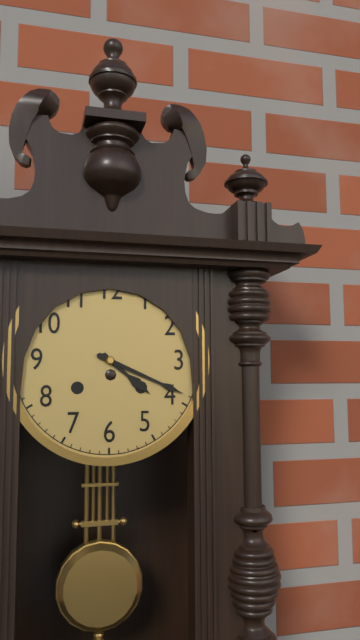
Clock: 4:19
